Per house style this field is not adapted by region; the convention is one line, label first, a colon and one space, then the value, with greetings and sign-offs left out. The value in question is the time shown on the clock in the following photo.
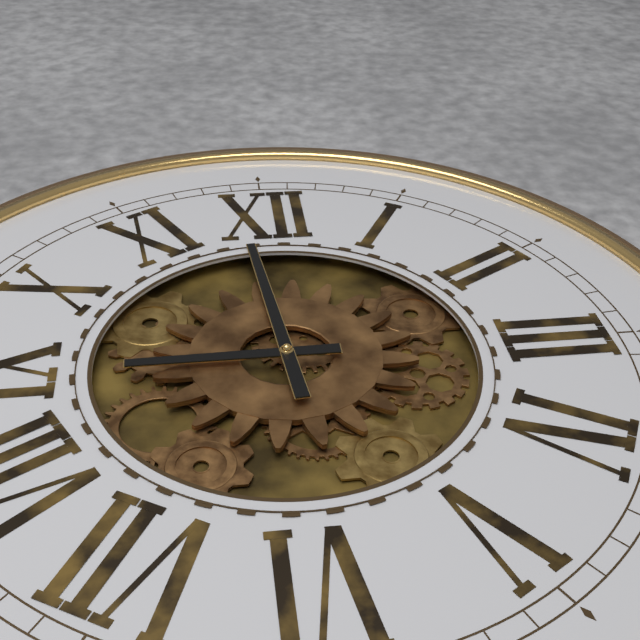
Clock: 8:59
